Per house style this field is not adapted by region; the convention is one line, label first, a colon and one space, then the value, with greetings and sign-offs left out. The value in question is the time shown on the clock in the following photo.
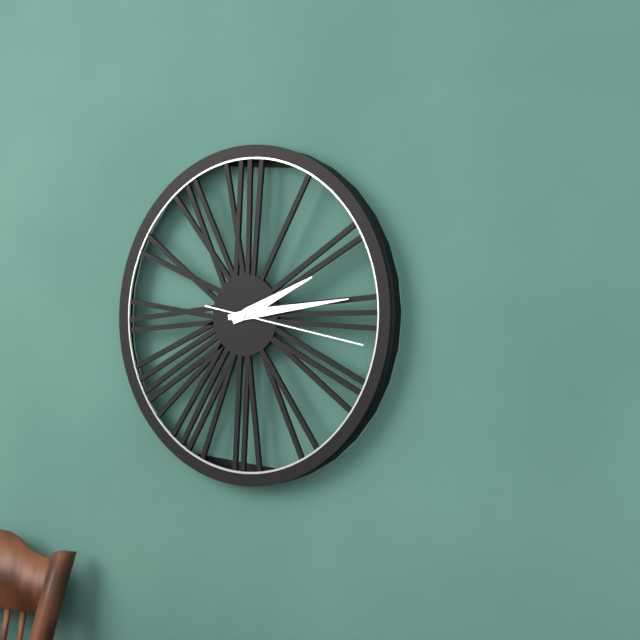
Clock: 2:14:17
